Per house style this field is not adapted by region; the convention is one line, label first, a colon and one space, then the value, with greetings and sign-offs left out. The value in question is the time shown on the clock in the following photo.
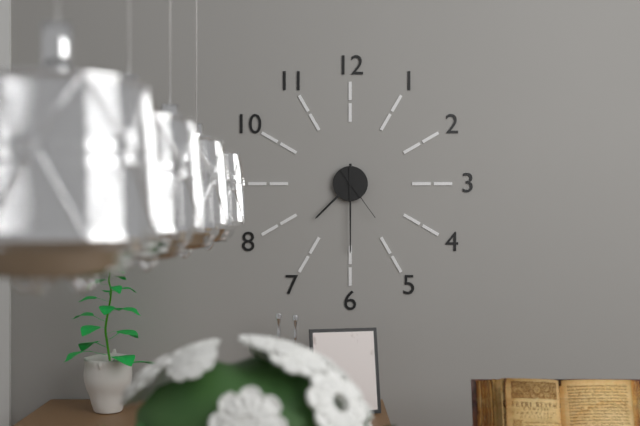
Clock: 7:30:24
